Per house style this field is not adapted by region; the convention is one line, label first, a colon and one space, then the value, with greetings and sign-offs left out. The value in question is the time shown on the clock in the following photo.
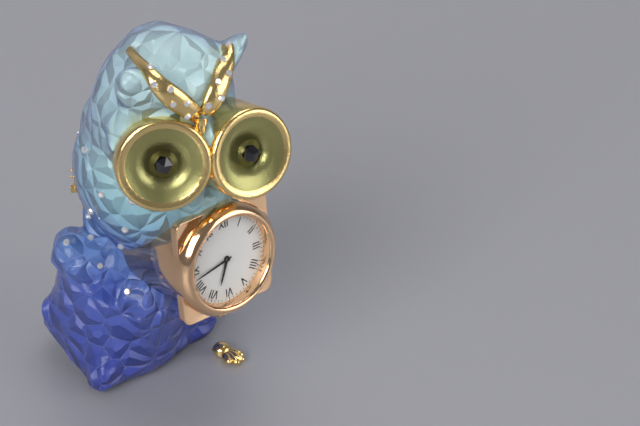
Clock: 6:43
